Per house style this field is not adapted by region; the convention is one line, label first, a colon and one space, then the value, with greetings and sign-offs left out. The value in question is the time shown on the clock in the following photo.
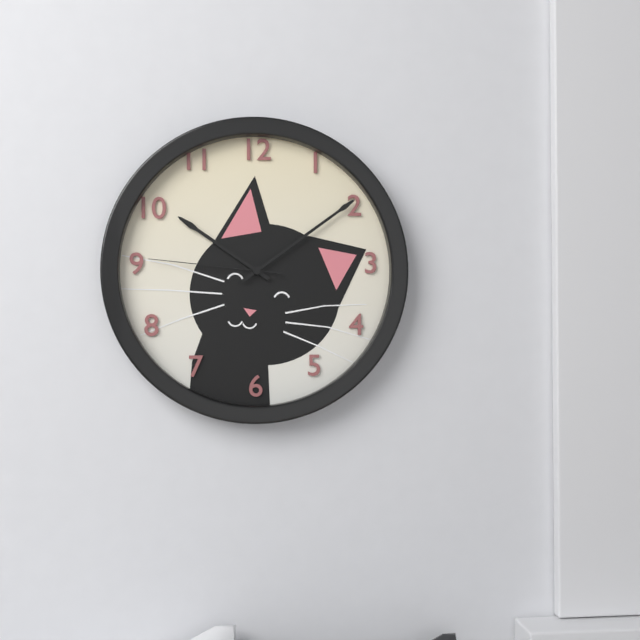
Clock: 10:09:46
